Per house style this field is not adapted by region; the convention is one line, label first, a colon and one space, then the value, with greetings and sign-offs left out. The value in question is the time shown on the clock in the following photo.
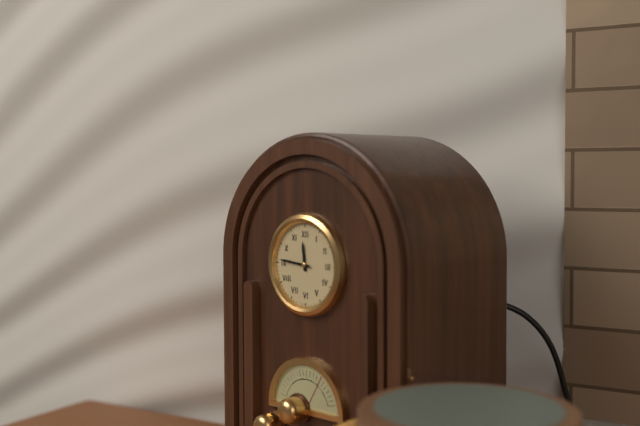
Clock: 11:46
